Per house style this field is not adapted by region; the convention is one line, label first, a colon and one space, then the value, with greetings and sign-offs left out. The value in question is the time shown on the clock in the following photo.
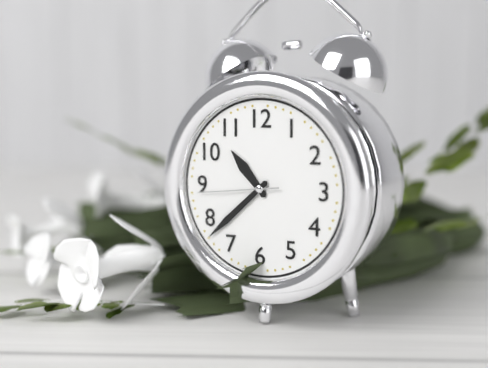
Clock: 10:38:44
